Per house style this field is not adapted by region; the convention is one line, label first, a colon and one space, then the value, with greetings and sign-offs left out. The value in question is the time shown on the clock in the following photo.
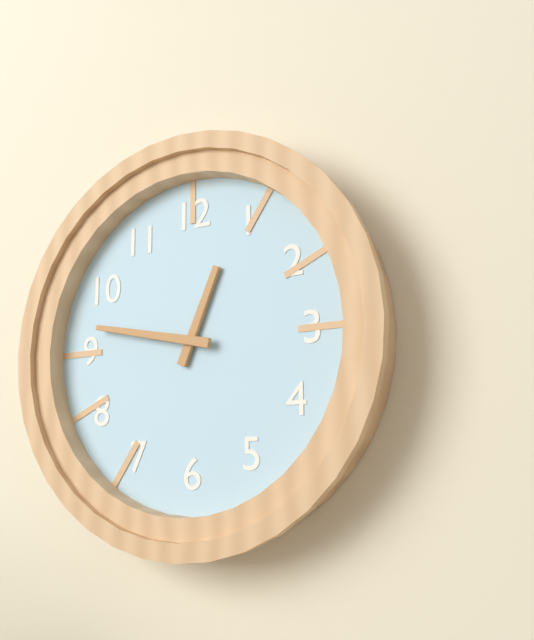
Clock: 12:47
